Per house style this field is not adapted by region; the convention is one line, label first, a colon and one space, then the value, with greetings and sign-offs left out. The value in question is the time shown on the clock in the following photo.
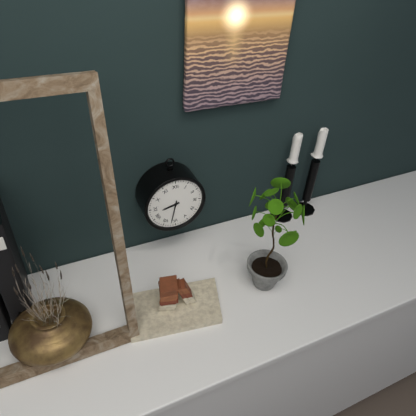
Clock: 8:32
